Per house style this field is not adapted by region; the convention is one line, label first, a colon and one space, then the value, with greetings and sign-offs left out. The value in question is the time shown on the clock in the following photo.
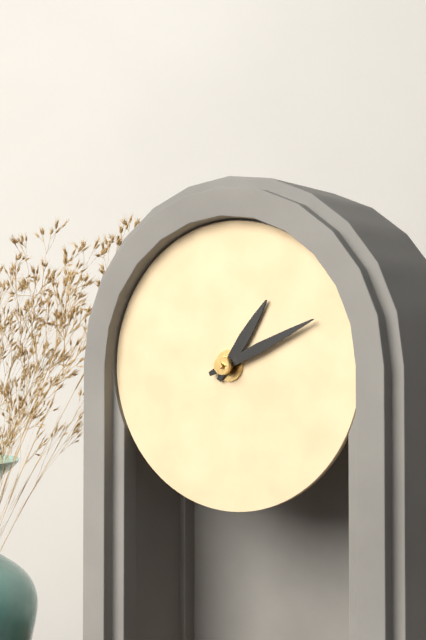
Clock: 1:11
